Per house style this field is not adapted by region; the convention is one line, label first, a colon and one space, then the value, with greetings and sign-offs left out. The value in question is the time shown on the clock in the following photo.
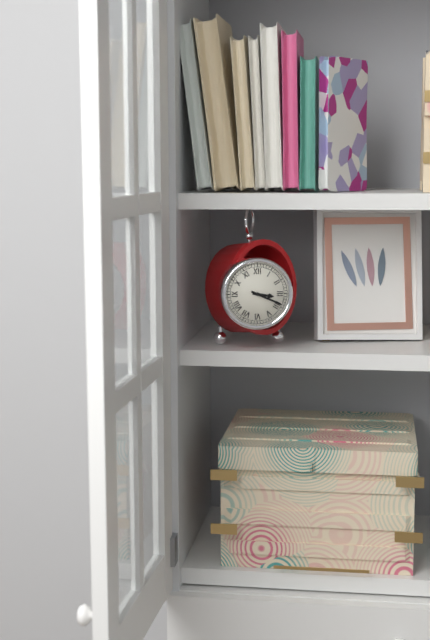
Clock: 3:19
